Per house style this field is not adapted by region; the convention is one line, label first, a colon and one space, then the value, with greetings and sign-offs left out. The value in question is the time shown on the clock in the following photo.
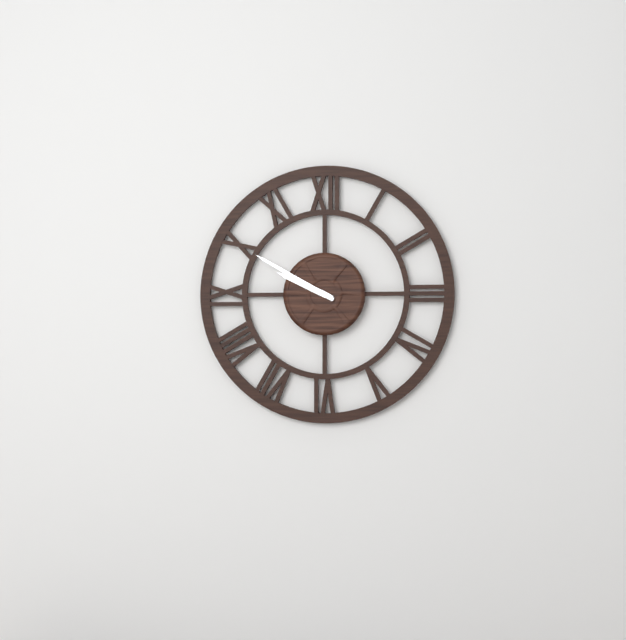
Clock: 9:50
